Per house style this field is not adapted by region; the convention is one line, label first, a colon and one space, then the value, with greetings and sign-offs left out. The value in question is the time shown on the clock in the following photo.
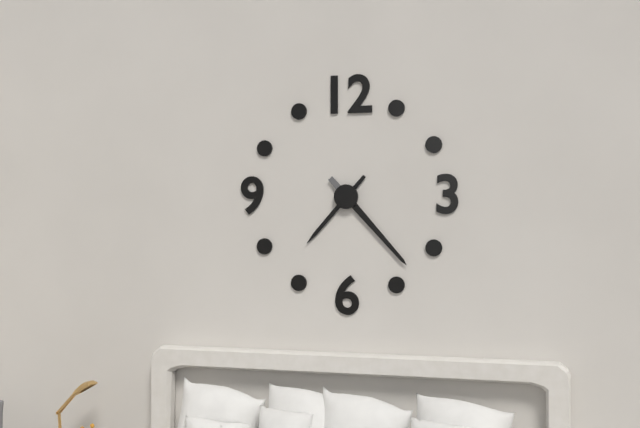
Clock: 7:23
